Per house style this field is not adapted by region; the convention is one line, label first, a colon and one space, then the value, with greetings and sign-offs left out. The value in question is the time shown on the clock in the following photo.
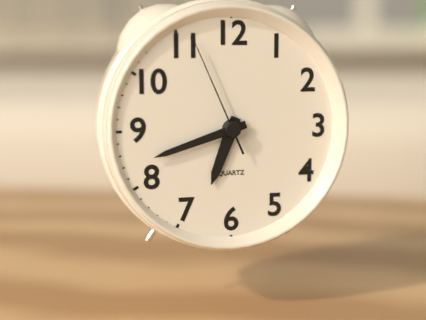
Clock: 6:42:56
